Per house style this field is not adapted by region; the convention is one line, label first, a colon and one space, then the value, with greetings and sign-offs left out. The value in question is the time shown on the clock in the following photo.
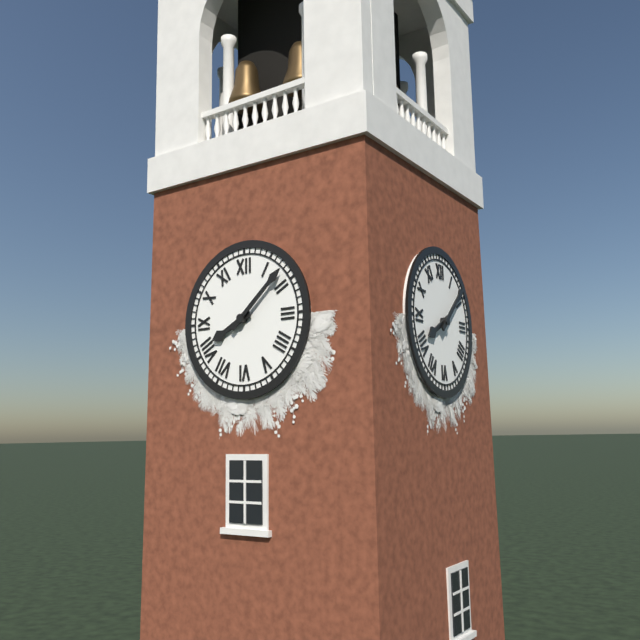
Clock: 8:08
